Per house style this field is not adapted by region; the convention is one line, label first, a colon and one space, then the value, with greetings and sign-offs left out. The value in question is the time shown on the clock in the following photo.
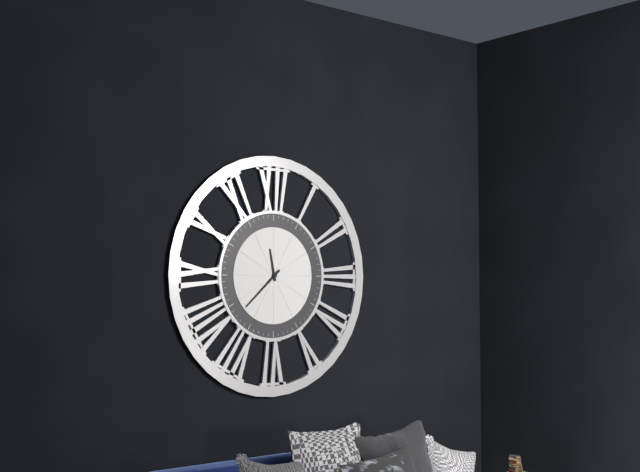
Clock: 11:38
